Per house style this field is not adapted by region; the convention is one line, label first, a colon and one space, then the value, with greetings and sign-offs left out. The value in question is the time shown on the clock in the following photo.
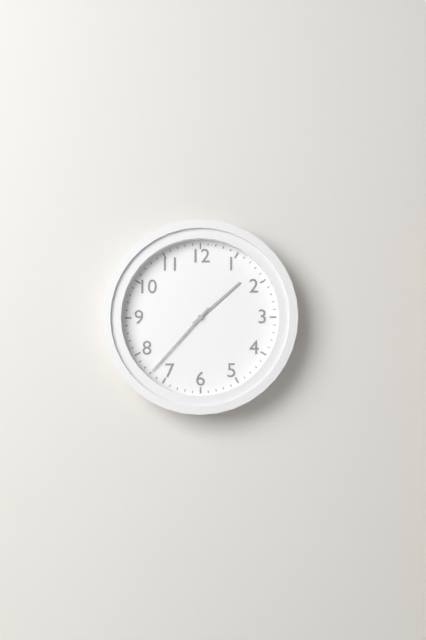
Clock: 1:37
